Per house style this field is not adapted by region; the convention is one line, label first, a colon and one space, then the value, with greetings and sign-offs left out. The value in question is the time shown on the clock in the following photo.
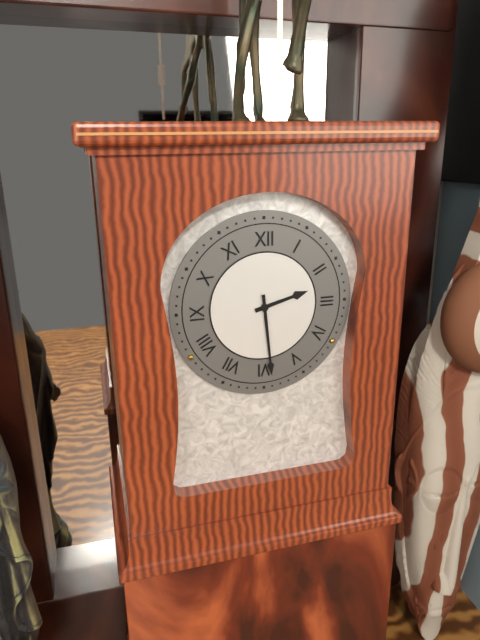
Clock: 2:29
